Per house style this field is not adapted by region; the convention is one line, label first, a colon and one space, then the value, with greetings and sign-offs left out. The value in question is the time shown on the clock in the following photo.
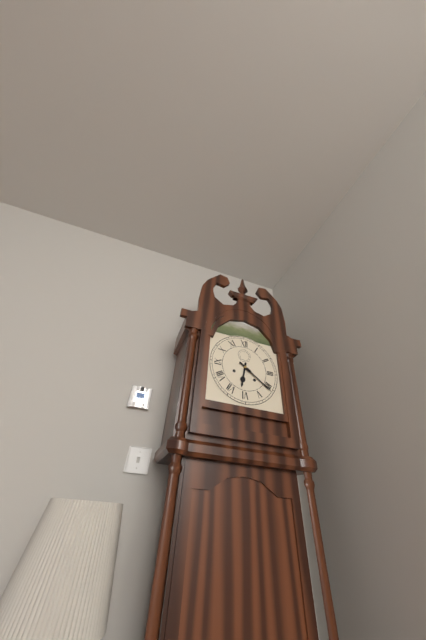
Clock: 6:21
